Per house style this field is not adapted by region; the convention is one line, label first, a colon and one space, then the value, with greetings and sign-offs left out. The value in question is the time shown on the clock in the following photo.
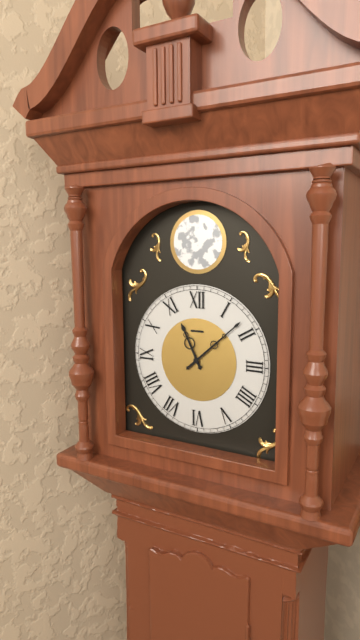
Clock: 11:08
